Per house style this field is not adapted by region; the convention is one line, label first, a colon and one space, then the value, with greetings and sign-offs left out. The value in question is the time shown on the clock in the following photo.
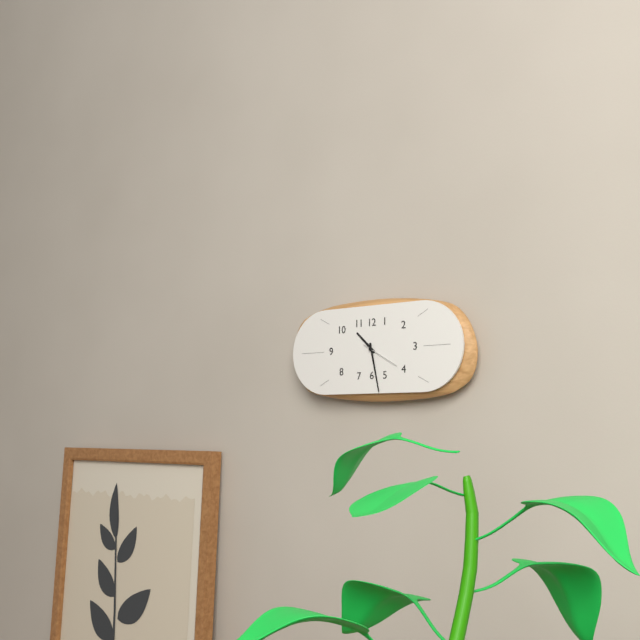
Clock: 10:28
